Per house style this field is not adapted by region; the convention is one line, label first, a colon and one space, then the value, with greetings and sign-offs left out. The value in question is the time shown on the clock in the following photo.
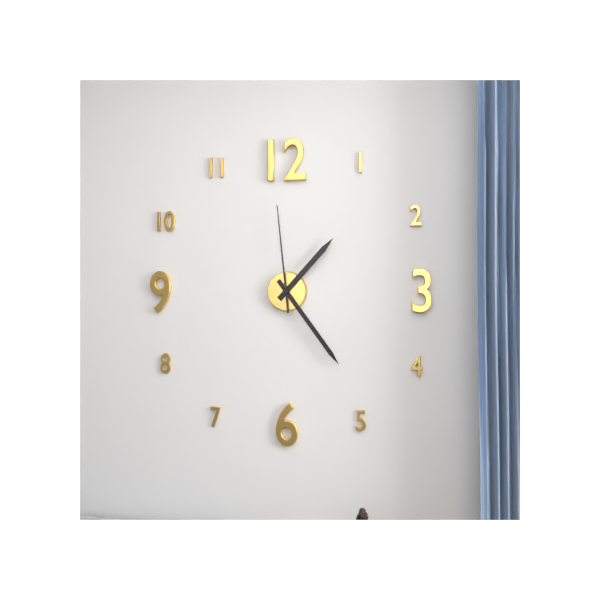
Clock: 1:24:59
